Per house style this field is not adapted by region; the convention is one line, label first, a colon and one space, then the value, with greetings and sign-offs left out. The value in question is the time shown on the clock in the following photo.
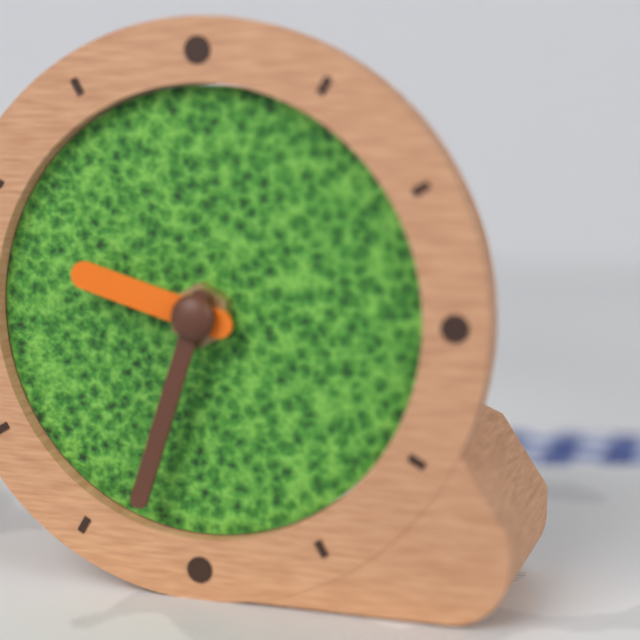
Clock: 9:33
